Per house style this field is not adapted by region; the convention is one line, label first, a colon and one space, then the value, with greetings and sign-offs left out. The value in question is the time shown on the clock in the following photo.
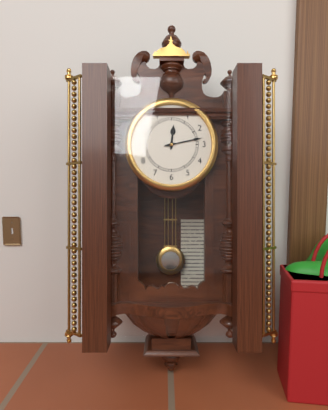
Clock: 12:13
